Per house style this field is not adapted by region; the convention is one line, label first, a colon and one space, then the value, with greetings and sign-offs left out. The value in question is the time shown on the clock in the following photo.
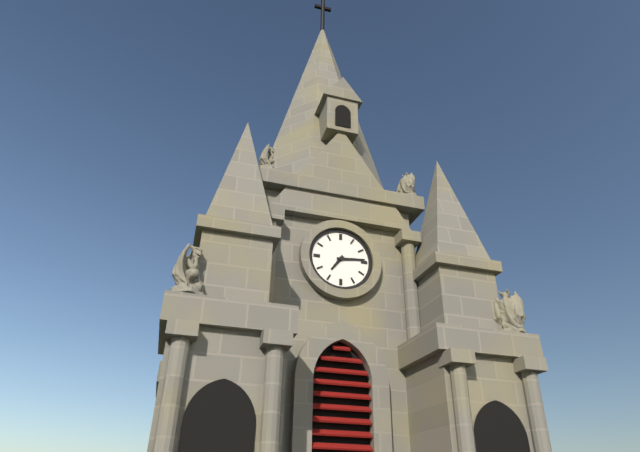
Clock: 7:14
